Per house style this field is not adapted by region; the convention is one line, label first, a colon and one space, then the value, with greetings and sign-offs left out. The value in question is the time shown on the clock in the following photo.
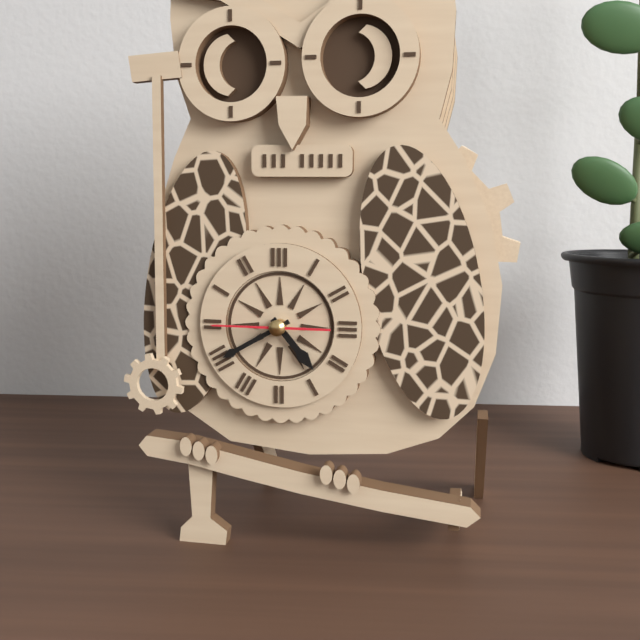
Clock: 4:40:45
